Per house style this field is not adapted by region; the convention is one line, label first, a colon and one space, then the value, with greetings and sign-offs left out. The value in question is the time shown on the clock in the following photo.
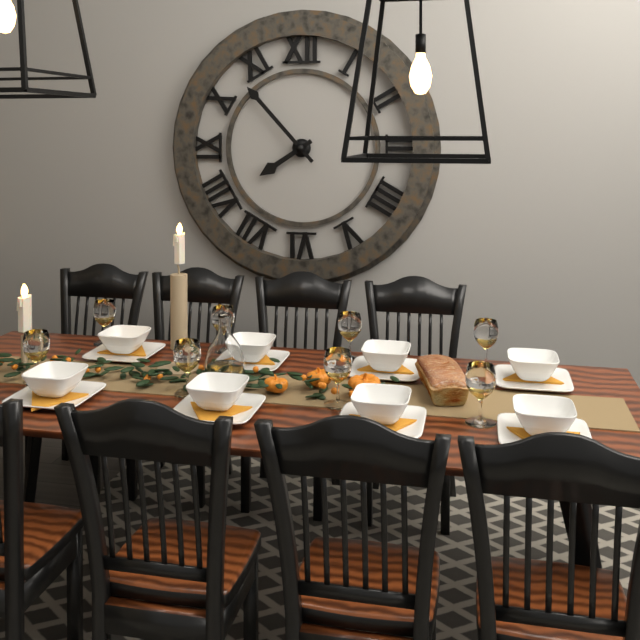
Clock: 7:53
